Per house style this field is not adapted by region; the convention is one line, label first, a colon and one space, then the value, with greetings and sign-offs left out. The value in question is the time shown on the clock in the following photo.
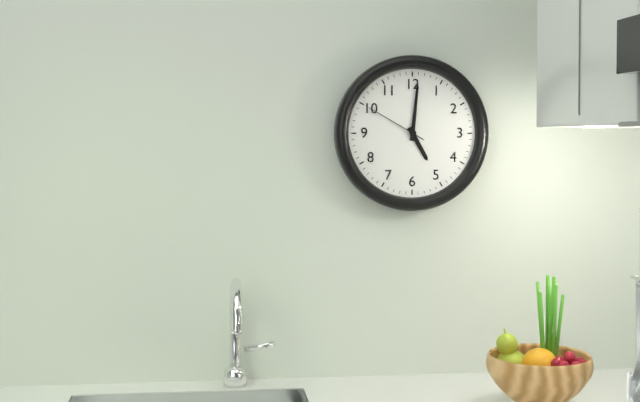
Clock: 5:01:50
